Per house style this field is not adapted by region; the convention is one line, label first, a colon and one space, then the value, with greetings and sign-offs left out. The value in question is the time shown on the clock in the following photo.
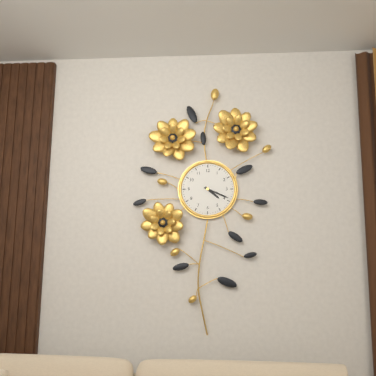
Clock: 4:19
